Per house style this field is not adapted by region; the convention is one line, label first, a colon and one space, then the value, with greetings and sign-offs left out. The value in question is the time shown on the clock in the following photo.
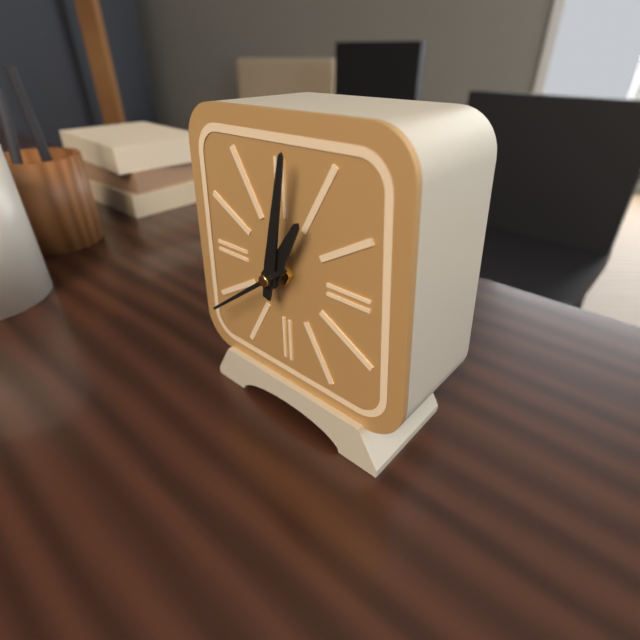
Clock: 1:02:39
